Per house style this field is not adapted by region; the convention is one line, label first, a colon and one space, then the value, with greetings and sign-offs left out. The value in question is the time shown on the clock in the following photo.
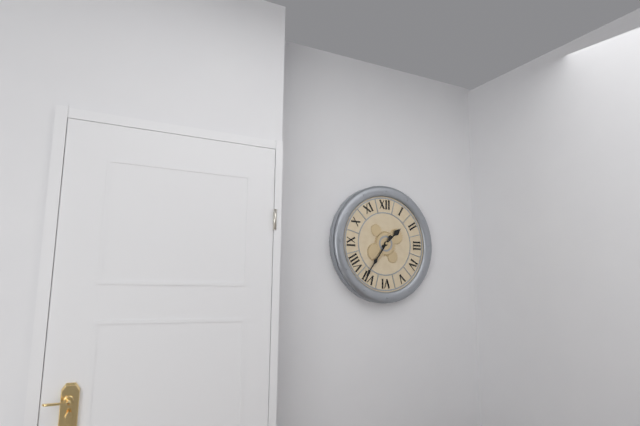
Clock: 1:36
